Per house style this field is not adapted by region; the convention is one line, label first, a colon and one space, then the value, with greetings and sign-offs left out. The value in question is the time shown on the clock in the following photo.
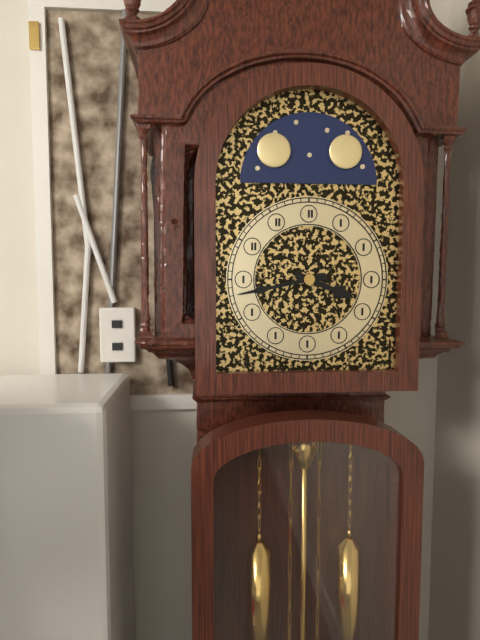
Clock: 3:43
